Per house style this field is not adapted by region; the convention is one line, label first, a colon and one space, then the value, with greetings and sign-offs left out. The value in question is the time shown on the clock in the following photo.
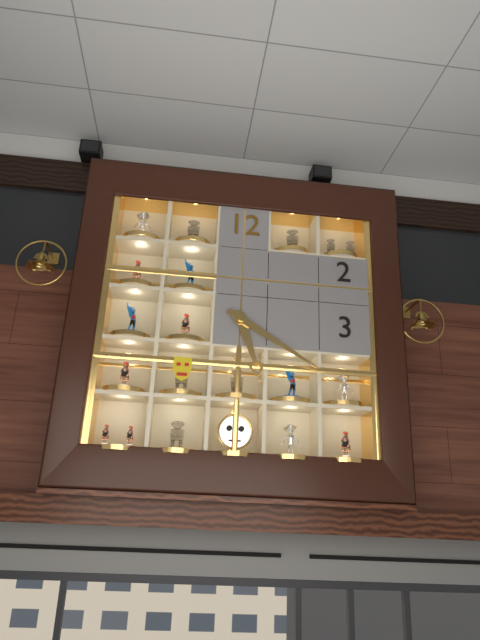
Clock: 5:20
